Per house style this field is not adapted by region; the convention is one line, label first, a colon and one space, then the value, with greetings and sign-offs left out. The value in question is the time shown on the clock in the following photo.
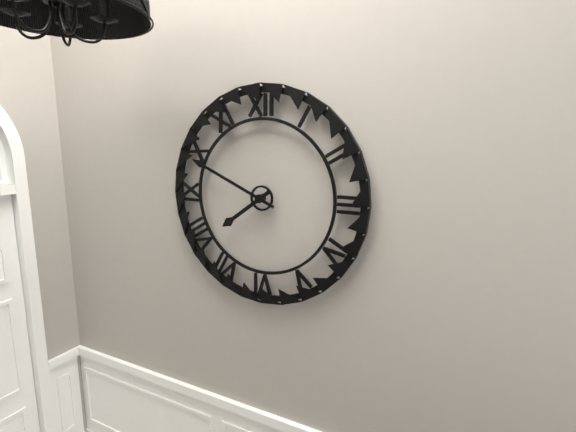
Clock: 7:49
